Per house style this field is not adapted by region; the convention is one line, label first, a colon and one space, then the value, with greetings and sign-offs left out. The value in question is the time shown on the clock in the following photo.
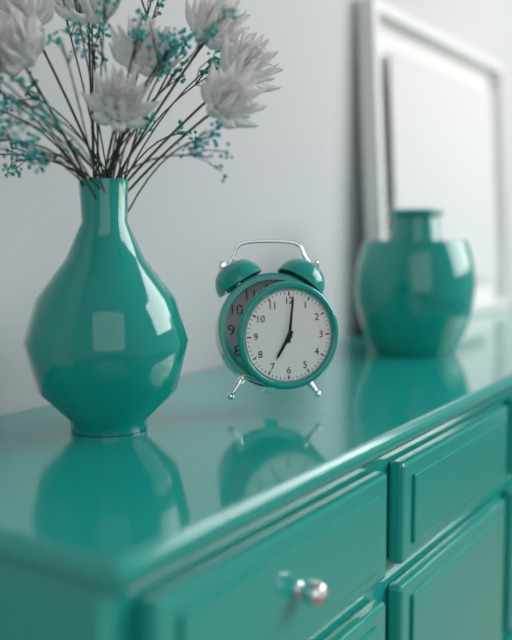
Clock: 7:01
